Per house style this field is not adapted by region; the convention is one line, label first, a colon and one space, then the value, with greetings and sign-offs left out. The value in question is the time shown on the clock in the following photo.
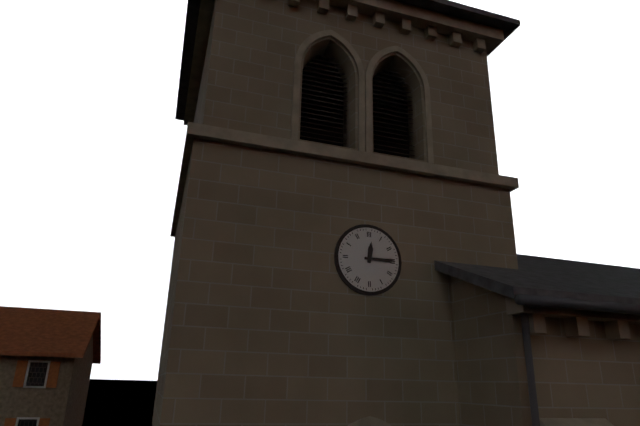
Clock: 12:15
